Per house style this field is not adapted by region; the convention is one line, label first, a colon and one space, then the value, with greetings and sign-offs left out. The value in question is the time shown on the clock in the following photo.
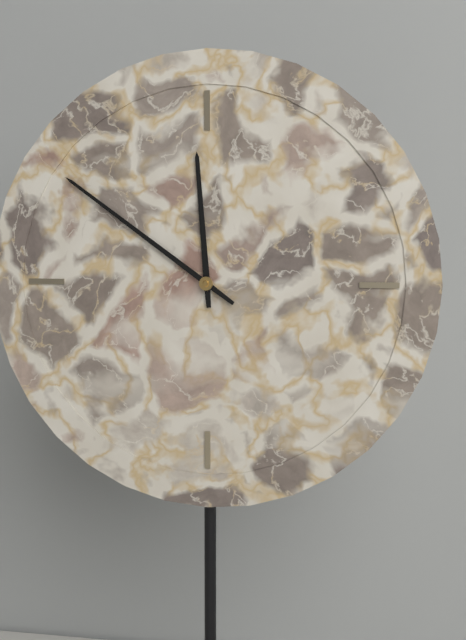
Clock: 11:51
